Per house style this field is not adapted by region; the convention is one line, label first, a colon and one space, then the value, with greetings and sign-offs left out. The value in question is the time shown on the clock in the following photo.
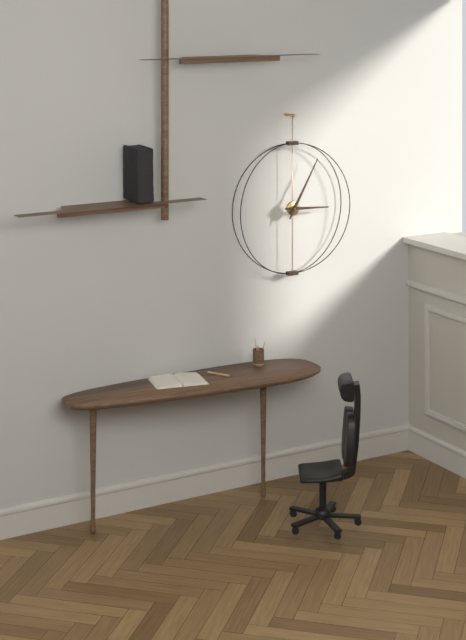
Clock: 3:05
